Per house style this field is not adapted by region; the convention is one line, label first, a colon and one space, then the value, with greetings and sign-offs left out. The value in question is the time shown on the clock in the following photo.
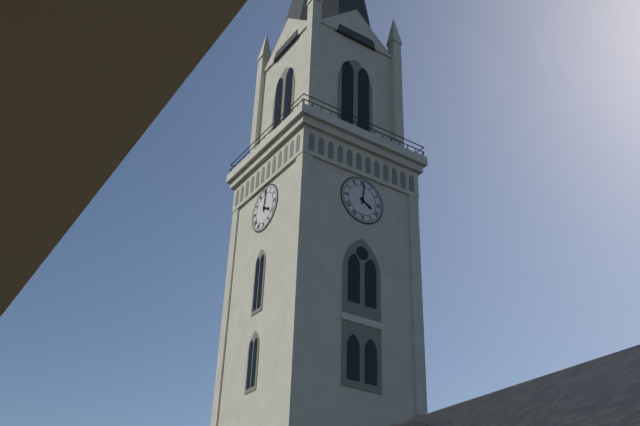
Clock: 4:01
